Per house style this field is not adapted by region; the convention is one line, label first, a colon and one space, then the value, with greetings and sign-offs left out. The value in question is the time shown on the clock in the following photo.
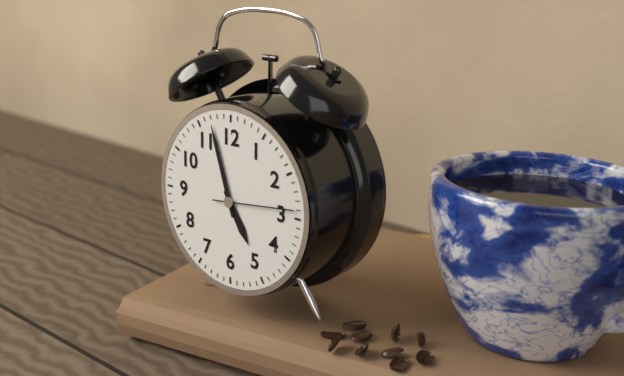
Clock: 4:57:14
